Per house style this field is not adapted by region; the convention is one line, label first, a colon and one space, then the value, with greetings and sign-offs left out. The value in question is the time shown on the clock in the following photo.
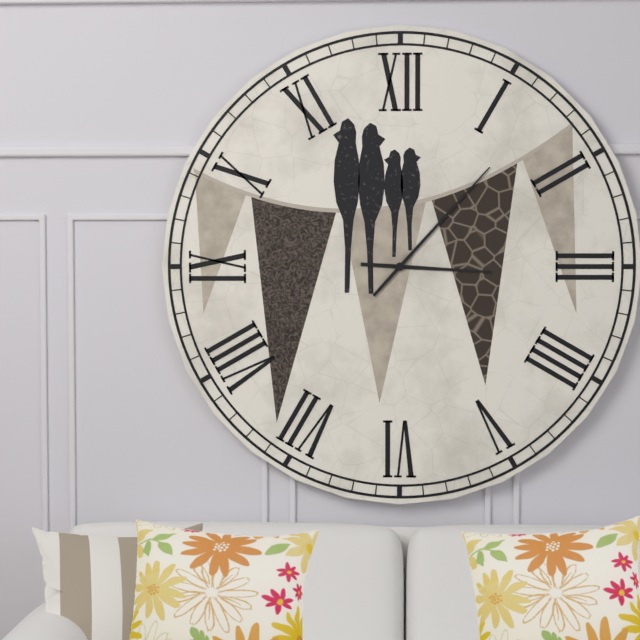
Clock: 3:07
